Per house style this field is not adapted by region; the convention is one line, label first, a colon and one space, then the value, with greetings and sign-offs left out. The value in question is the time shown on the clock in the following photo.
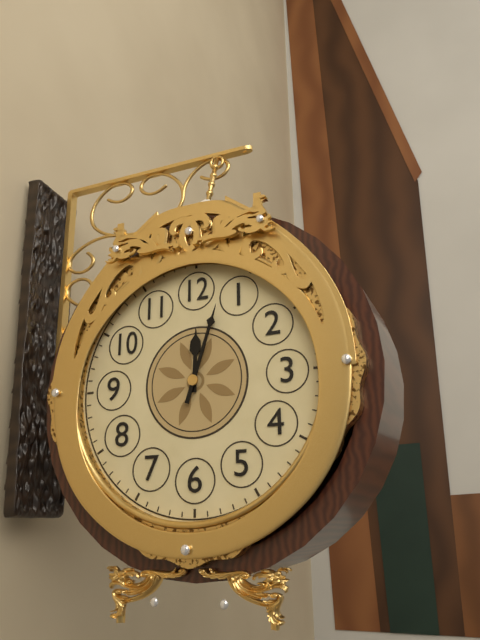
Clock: 12:03
